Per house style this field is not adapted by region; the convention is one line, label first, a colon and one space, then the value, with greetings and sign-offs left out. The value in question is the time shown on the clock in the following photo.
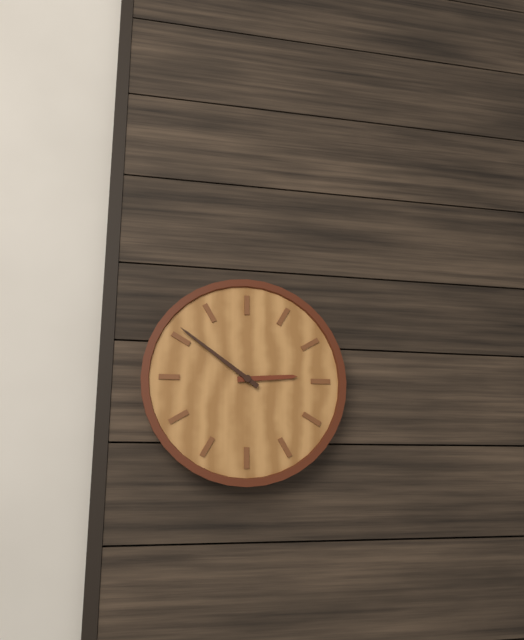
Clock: 2:51
